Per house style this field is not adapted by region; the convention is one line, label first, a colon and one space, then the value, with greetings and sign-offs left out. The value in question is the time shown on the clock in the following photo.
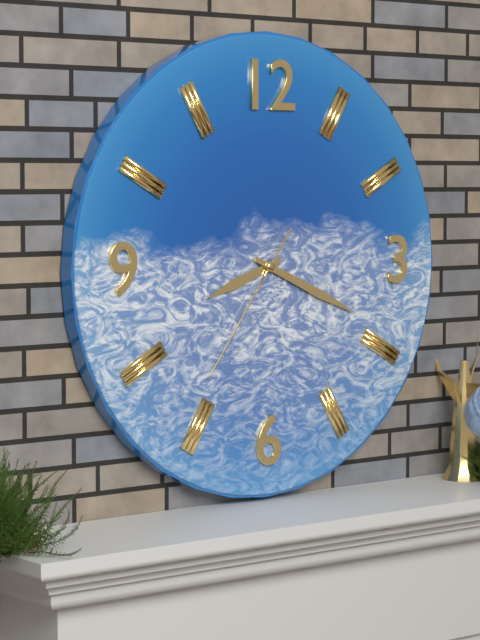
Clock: 8:19:36
